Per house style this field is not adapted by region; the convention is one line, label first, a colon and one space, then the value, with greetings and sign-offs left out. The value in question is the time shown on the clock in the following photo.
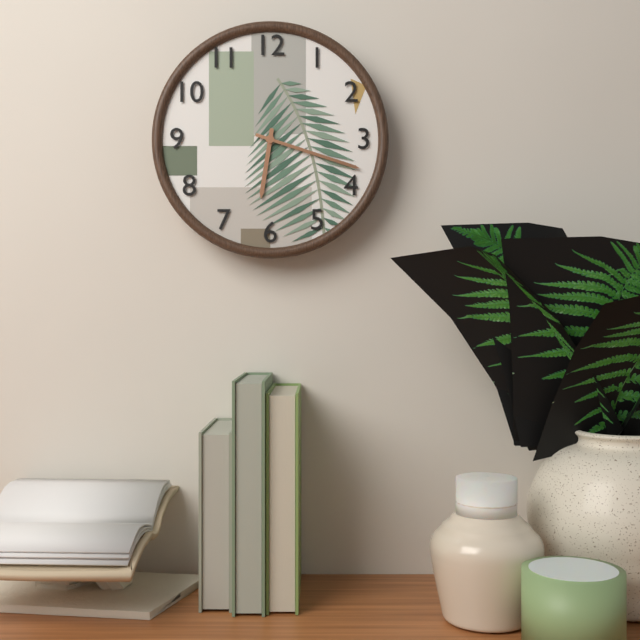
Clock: 6:18
